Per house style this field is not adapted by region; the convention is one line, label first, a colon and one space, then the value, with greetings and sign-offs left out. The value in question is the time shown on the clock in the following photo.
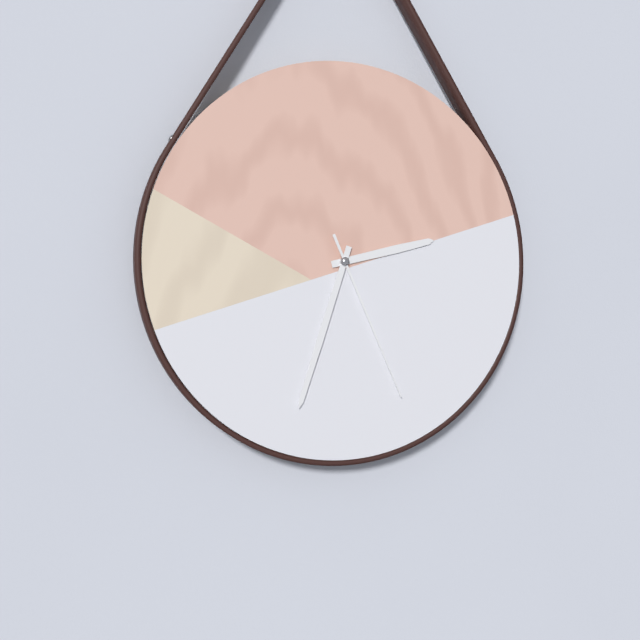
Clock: 2:33:26
